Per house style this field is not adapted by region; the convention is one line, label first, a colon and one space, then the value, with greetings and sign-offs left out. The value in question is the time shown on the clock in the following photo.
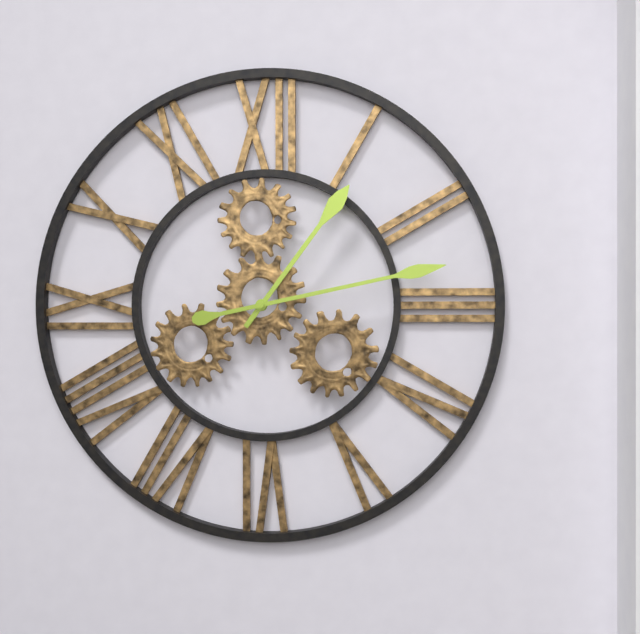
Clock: 1:13
